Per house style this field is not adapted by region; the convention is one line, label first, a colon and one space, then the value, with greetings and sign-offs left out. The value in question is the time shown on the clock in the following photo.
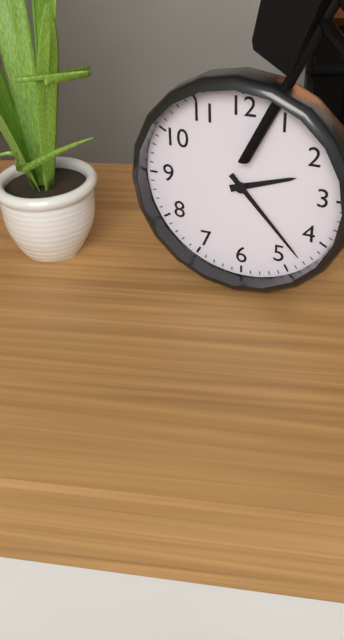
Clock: 2:23
